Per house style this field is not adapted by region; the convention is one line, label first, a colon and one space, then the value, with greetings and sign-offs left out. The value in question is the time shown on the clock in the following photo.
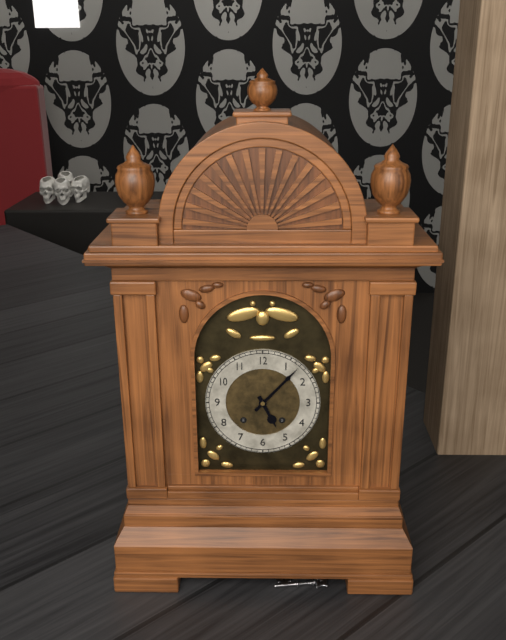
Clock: 5:07
